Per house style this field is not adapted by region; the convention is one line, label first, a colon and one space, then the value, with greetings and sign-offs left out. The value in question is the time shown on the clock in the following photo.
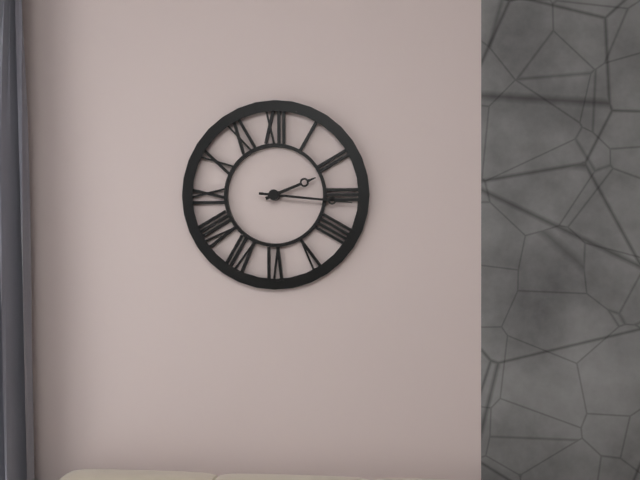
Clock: 2:16
